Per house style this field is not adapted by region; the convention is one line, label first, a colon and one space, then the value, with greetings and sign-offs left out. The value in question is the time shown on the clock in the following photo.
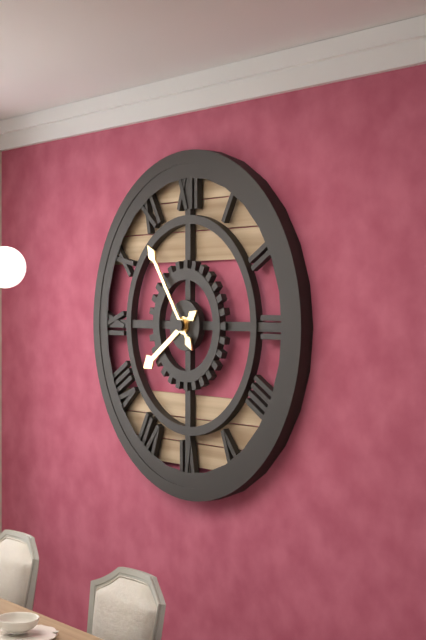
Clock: 7:54
